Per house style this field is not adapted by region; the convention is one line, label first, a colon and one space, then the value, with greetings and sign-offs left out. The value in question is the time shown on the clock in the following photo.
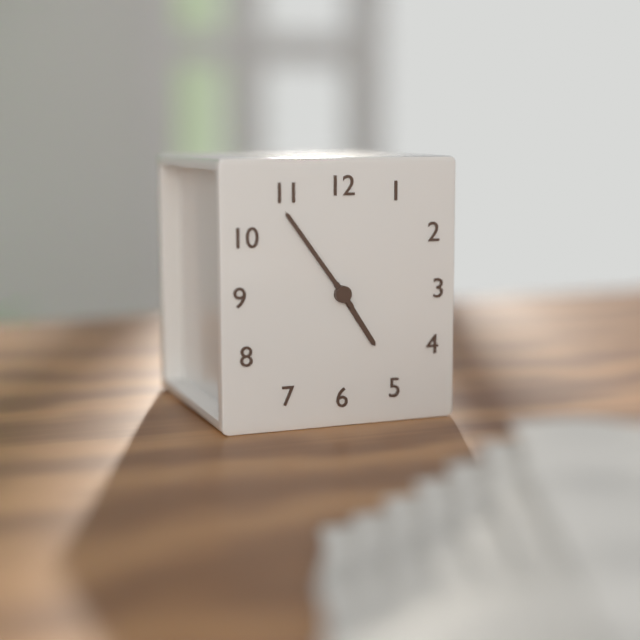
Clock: 4:54
